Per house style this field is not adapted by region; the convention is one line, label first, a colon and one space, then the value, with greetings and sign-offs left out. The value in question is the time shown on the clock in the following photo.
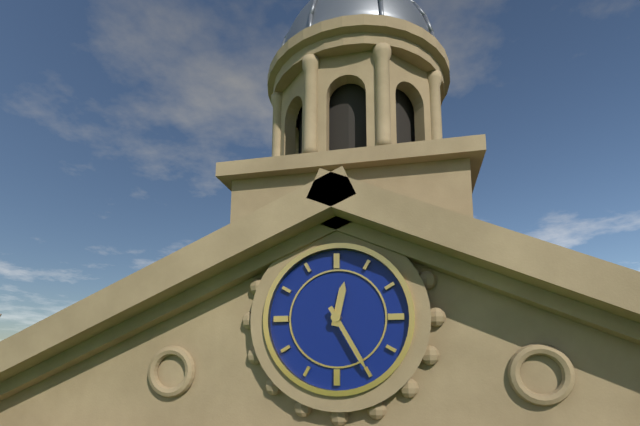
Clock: 12:25
